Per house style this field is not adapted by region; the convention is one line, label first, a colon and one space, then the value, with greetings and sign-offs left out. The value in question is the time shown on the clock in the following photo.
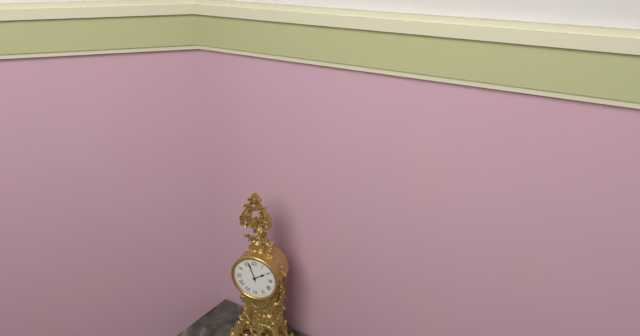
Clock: 1:57
